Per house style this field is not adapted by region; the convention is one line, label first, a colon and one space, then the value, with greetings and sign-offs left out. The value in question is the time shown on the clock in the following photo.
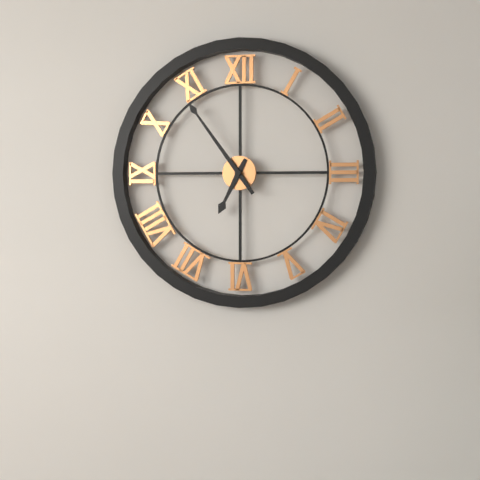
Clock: 6:54
